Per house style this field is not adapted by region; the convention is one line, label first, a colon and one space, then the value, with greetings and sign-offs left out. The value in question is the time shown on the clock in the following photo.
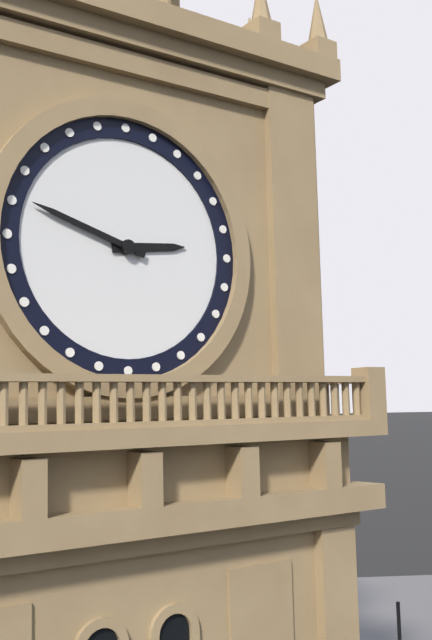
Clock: 2:48
